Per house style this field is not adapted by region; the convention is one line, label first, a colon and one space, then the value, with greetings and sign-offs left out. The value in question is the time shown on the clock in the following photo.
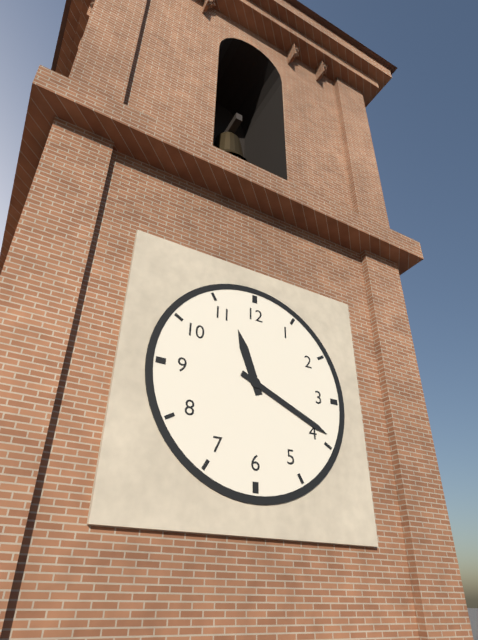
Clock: 11:19
